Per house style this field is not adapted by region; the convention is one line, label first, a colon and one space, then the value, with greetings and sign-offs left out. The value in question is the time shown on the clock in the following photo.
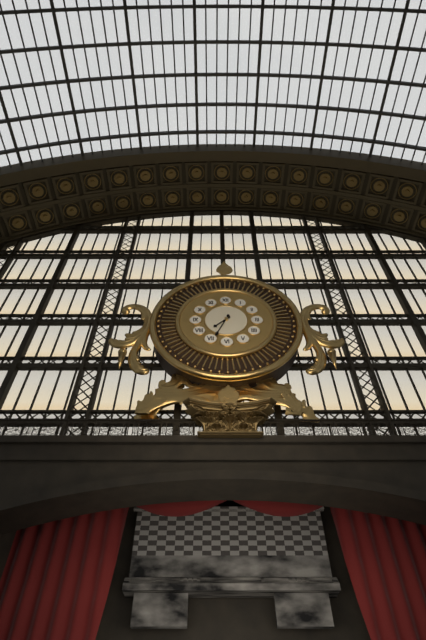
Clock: 7:34
